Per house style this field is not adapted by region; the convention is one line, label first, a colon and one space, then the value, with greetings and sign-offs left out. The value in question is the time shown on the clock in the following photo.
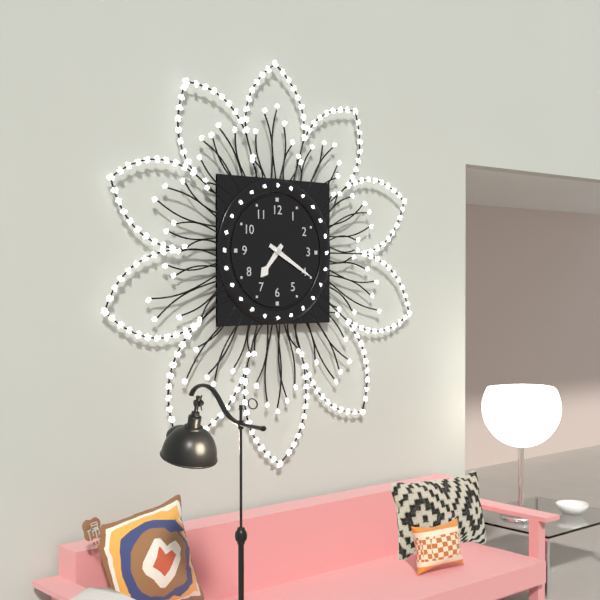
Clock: 7:20
